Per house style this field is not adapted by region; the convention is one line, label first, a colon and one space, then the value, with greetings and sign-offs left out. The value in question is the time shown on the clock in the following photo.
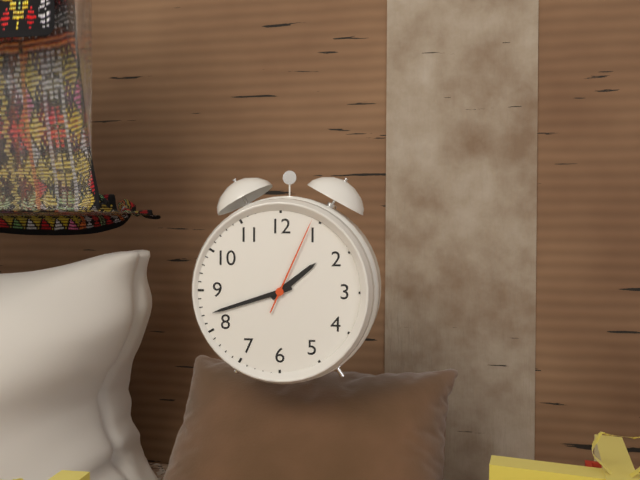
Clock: 1:42:04
